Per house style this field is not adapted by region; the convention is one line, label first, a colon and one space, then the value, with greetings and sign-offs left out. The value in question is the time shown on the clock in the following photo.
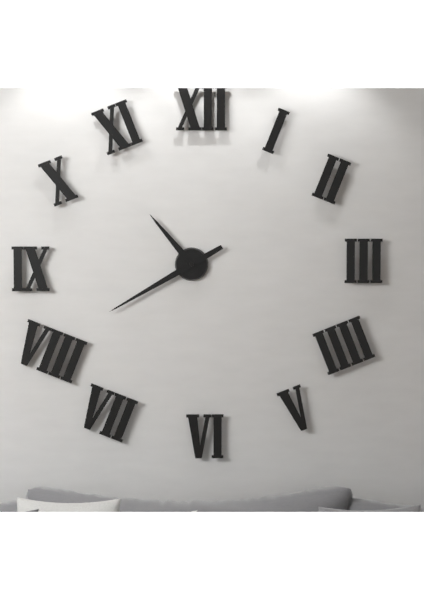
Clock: 10:40
